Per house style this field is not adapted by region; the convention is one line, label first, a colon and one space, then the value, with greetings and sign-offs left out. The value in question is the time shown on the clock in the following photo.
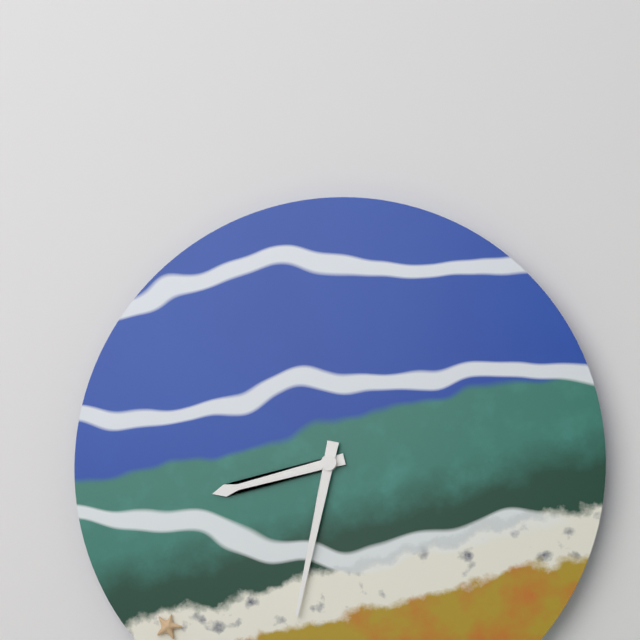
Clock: 8:32
